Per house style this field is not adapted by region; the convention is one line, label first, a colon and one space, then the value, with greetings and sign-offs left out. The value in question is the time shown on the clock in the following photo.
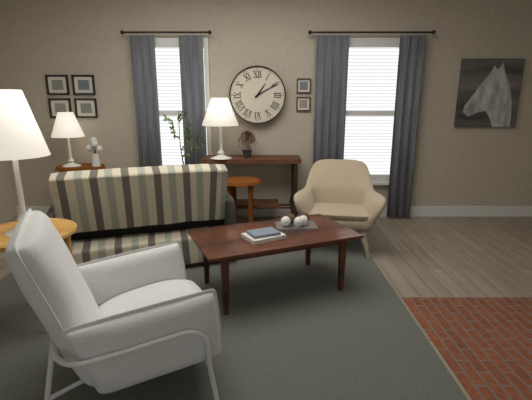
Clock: 1:10
